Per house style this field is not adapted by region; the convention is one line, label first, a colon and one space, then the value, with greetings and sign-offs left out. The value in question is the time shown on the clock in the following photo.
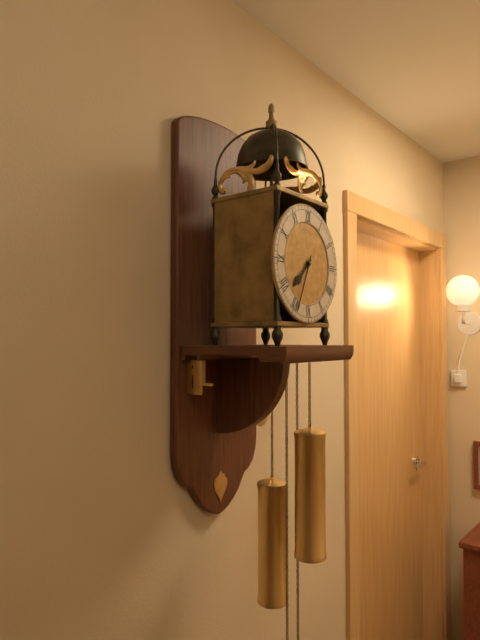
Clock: 7:34
